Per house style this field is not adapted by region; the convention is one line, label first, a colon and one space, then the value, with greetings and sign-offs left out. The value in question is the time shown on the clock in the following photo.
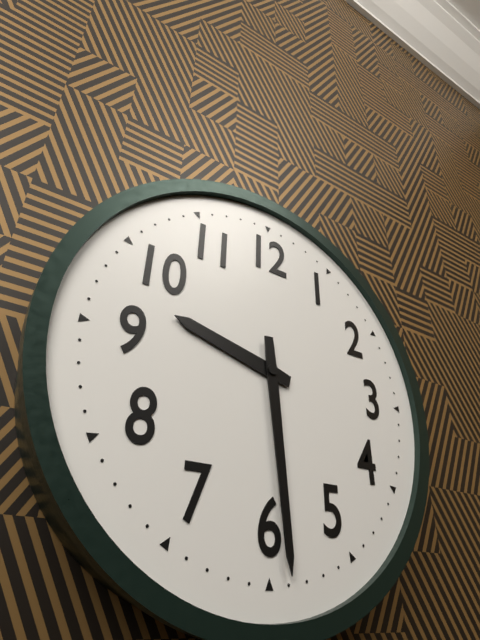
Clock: 9:29
